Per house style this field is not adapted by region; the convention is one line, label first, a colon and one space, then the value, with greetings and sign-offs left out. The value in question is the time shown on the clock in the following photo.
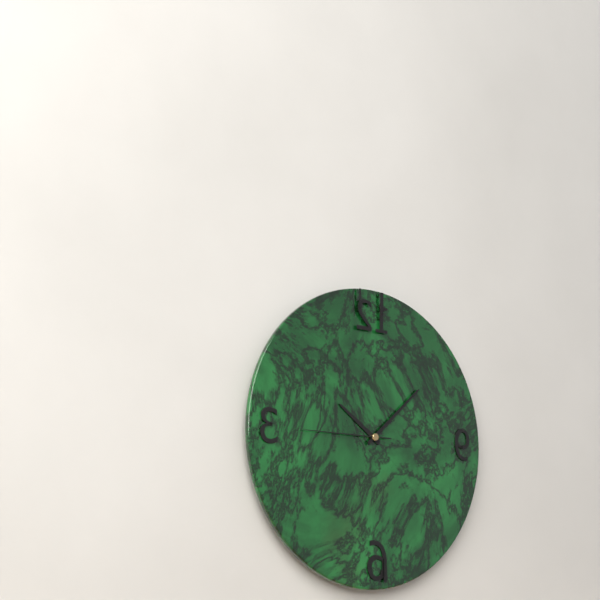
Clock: 10:08:45
